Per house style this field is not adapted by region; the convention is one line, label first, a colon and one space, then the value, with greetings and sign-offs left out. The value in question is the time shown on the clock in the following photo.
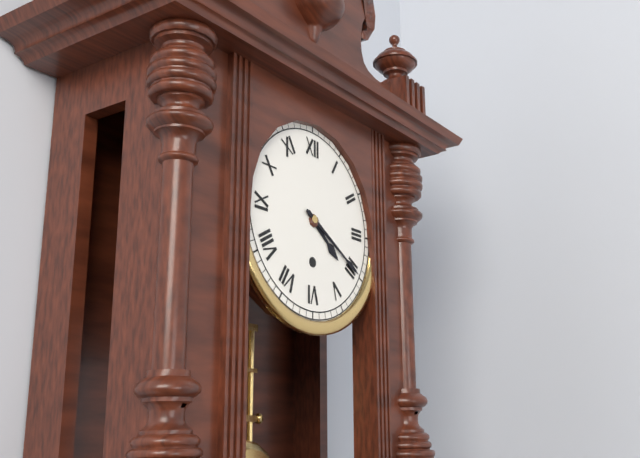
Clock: 4:20
